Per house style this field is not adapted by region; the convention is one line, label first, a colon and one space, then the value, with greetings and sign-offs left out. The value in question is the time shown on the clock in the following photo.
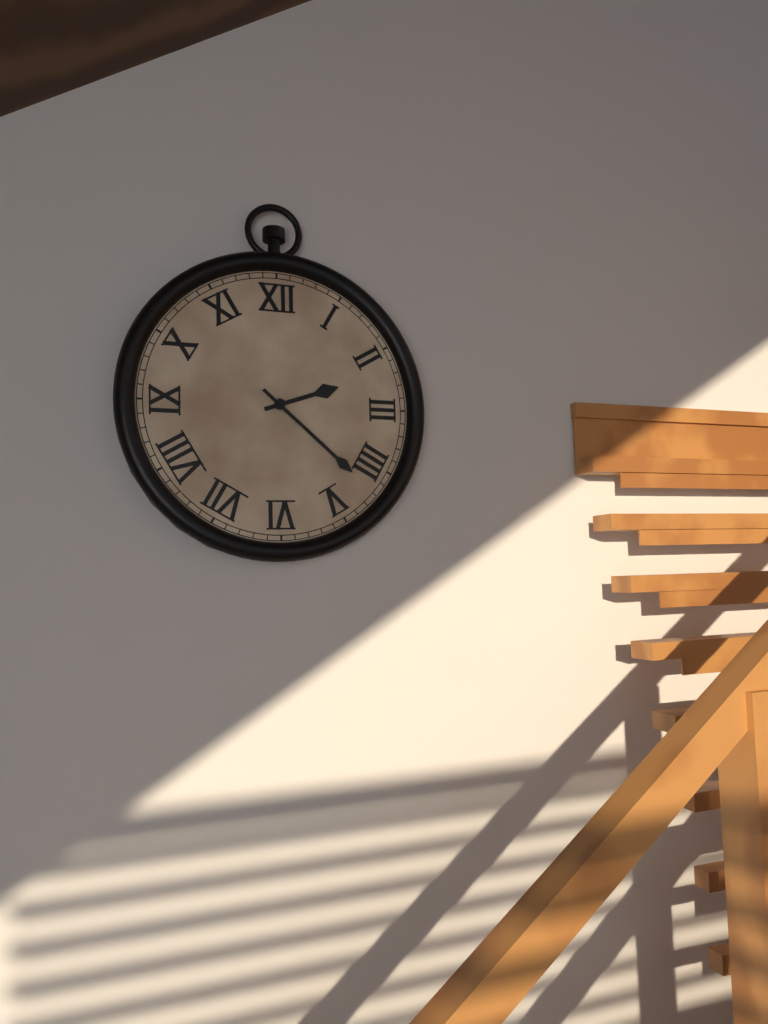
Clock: 2:22
